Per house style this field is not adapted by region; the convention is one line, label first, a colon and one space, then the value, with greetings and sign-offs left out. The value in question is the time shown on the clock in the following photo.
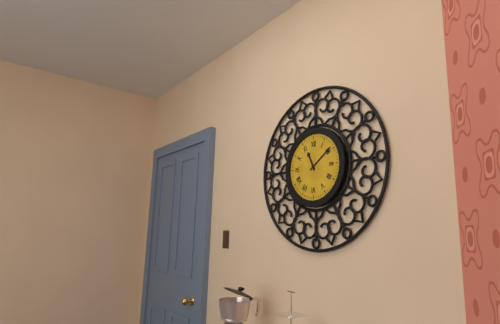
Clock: 11:09
